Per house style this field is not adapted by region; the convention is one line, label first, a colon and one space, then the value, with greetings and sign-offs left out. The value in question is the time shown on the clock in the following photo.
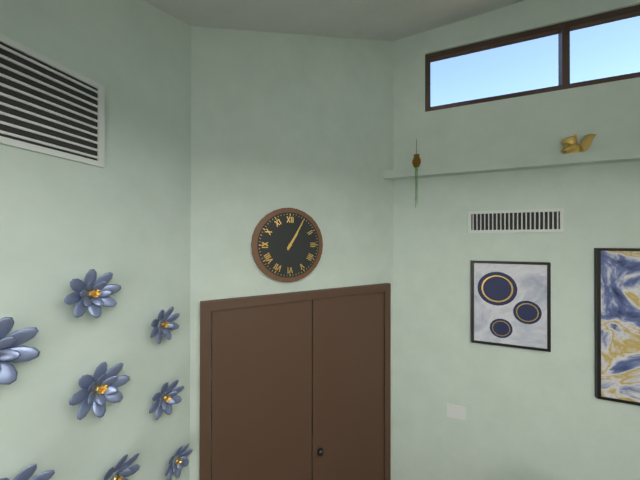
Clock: 1:05
